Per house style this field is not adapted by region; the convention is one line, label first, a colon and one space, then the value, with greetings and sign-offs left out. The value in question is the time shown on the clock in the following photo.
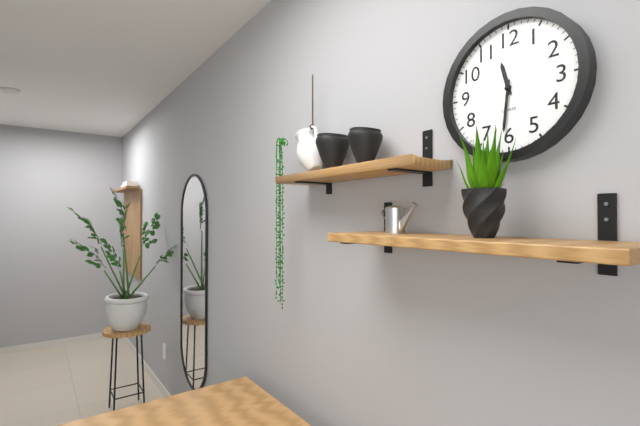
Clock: 11:31
